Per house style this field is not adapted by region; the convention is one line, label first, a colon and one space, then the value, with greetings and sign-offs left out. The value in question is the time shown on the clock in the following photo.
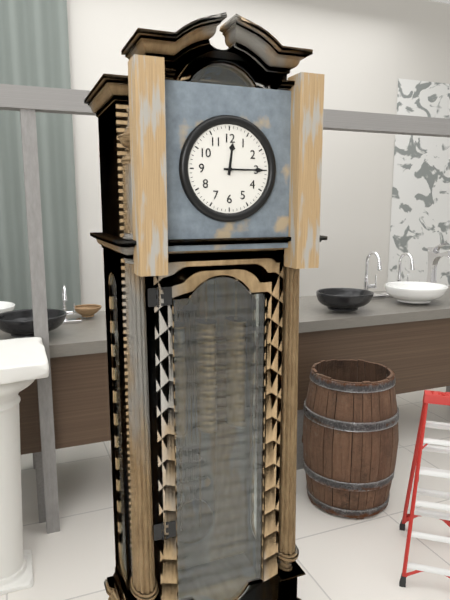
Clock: 12:15
